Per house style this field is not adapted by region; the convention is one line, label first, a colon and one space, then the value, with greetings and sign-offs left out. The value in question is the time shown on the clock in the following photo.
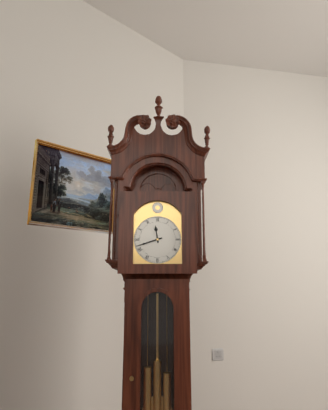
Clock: 11:42
